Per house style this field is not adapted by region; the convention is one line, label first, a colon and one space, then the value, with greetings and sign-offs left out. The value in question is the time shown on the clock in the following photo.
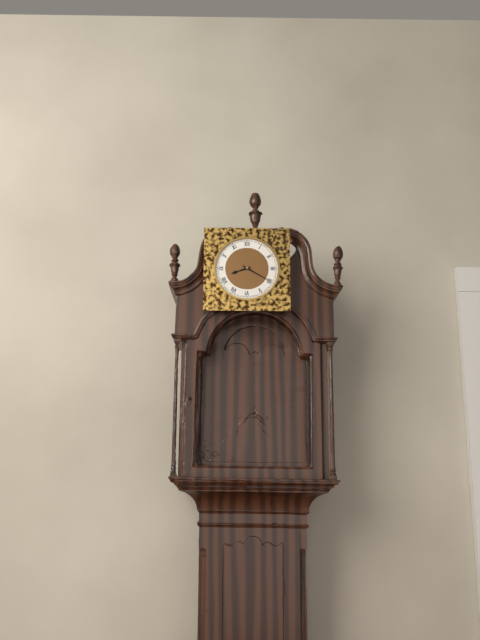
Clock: 8:20
